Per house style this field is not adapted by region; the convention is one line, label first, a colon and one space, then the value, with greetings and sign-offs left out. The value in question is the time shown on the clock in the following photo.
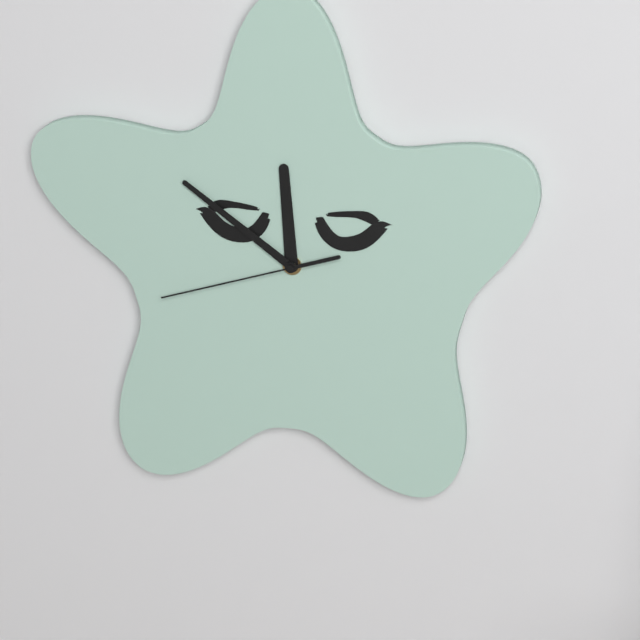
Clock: 11:51:42
